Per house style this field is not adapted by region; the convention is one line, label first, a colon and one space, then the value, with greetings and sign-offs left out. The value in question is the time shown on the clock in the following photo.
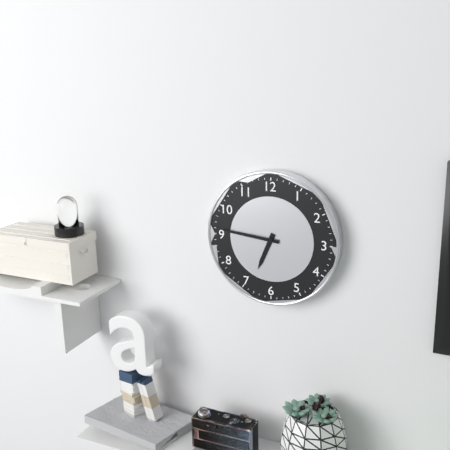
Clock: 6:46
